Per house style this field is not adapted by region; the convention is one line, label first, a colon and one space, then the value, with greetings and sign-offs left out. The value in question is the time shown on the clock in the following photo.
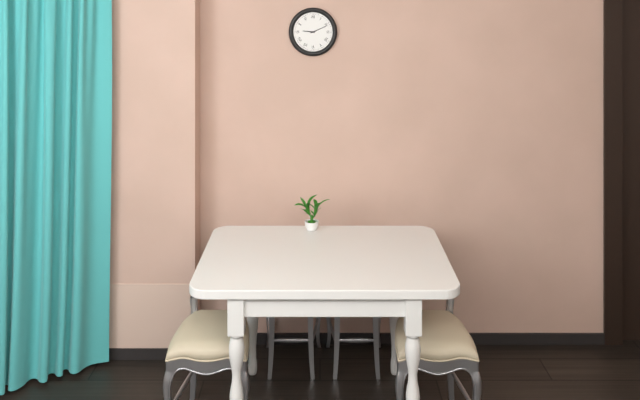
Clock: 9:11
